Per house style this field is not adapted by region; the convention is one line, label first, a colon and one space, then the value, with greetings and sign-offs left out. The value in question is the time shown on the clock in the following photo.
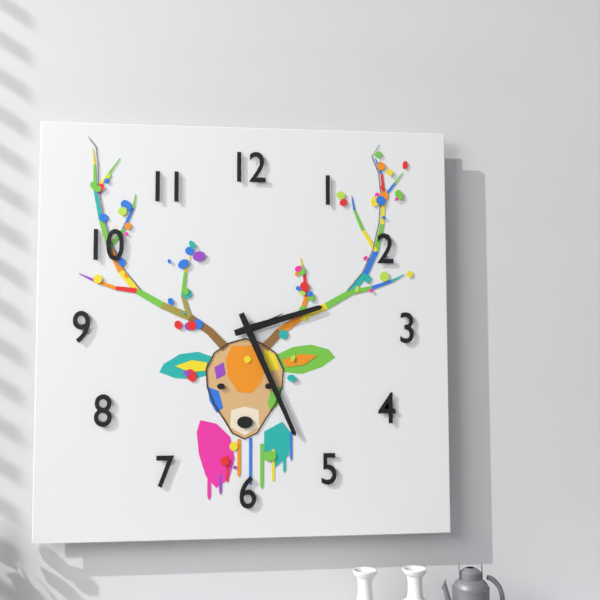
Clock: 2:26
